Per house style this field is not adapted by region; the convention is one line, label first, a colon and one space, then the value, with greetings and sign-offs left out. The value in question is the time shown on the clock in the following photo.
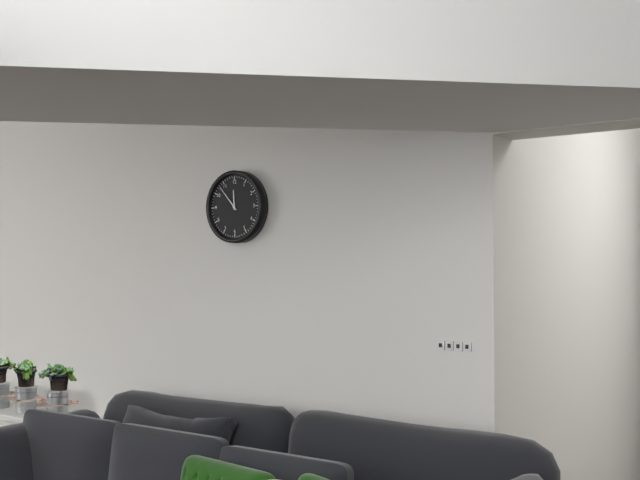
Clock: 11:53
